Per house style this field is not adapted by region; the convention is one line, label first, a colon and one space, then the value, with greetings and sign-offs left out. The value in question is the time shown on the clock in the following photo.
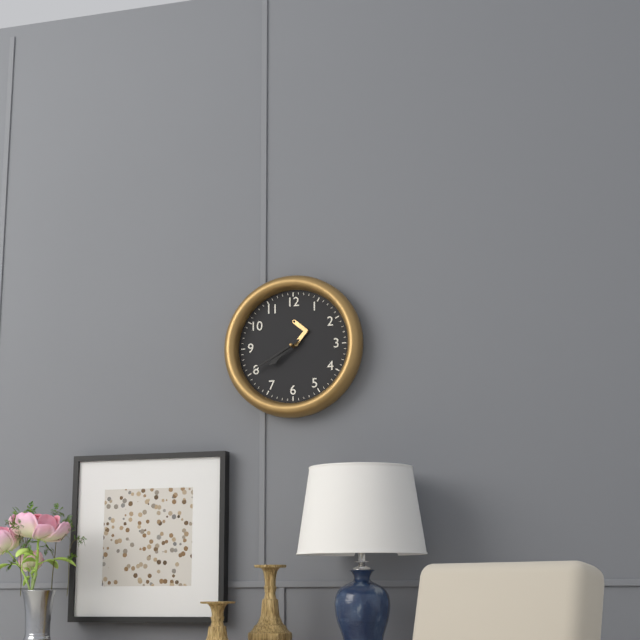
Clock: 7:40
